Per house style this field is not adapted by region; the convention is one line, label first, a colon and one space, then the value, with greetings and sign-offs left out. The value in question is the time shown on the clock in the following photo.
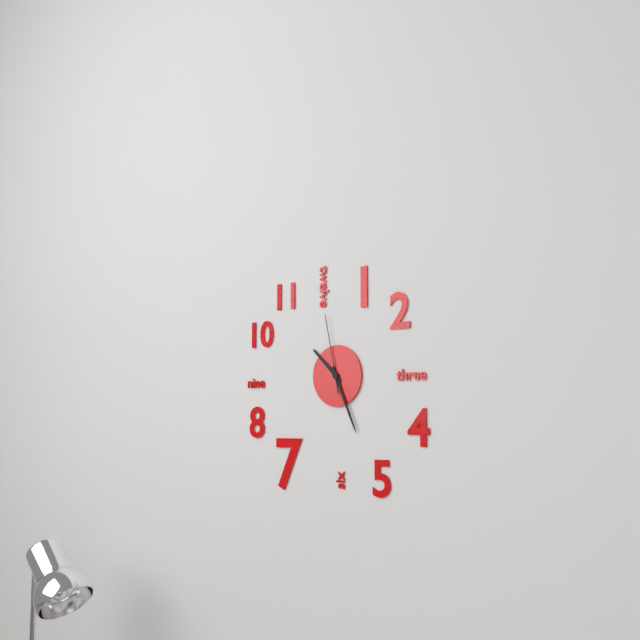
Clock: 10:26:58
